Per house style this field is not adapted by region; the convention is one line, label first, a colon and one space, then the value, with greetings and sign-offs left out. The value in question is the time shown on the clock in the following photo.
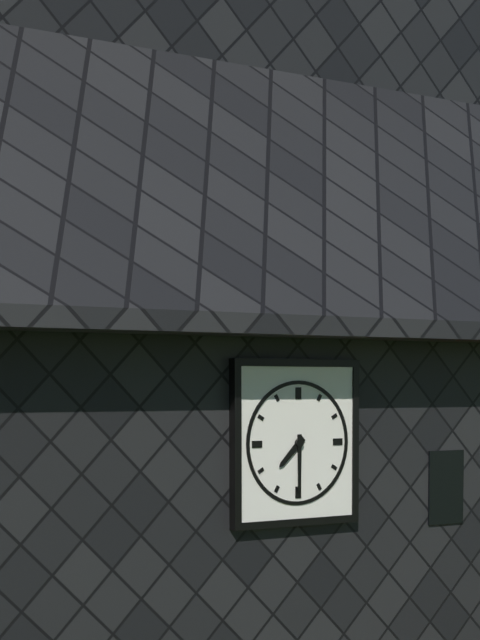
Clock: 7:30
